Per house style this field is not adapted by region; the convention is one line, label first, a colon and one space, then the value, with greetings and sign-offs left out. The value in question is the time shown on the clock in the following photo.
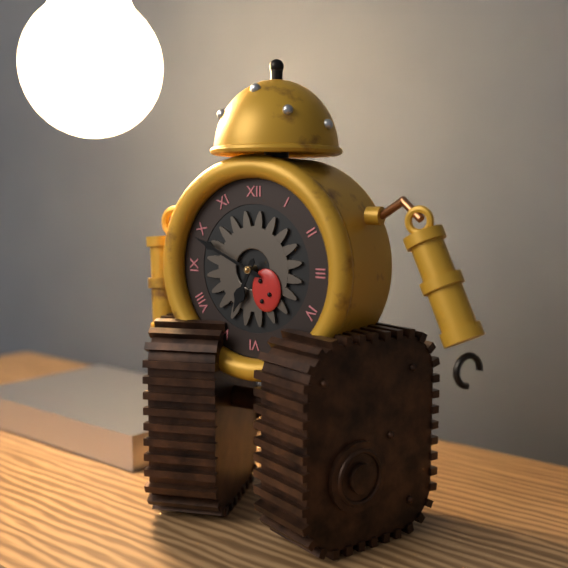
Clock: 6:49
